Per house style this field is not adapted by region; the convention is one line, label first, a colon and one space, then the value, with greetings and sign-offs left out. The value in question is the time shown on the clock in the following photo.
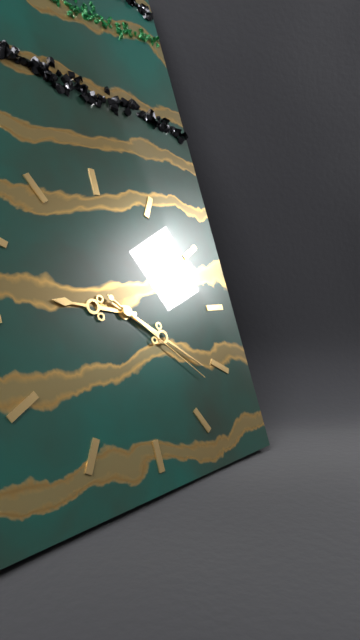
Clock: 9:21:22
